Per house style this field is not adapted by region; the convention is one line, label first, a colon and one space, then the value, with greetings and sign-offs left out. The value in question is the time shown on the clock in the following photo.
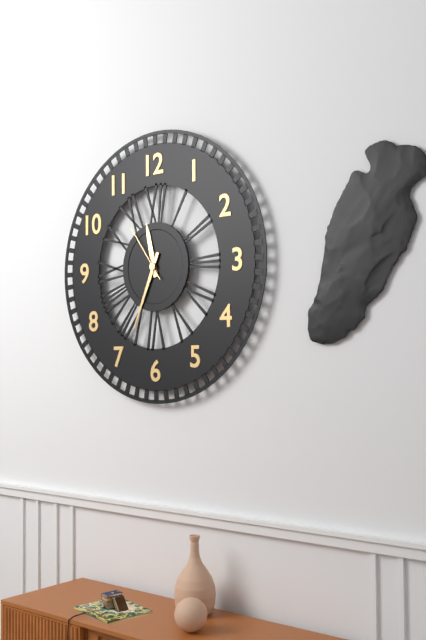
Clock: 11:34:54
